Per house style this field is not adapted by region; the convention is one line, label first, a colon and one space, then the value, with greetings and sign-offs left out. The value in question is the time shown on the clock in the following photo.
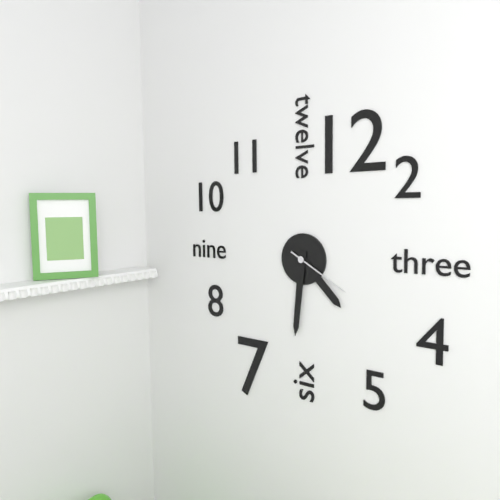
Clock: 4:31:20
